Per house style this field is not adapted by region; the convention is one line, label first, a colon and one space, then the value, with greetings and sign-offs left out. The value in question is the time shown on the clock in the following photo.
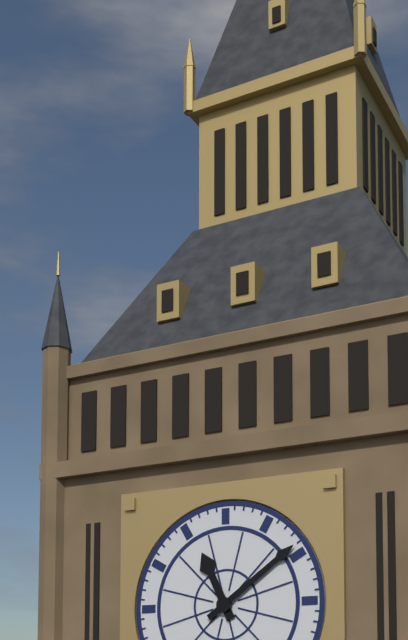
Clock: 11:09
